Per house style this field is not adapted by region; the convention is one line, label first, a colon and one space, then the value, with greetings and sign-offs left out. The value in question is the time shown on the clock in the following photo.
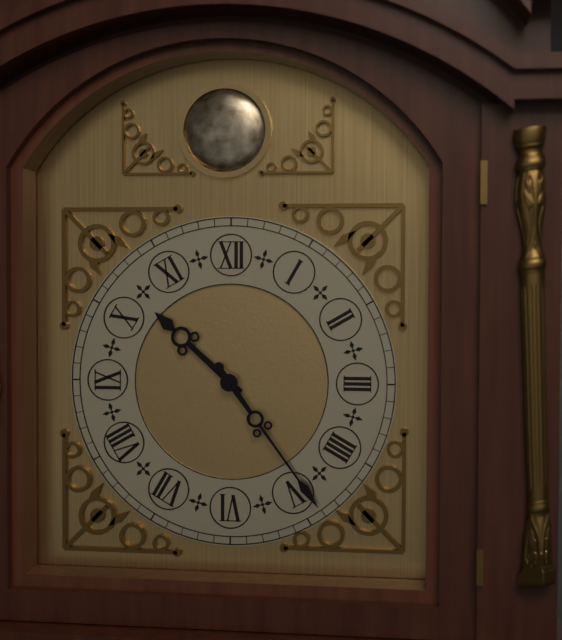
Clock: 10:24
